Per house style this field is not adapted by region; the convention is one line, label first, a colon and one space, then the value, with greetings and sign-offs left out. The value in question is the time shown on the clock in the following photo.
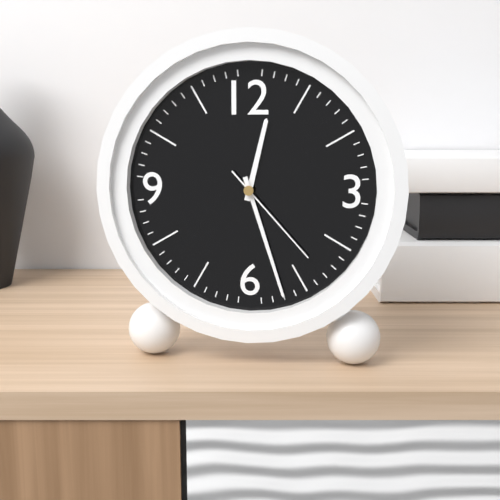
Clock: 12:27:23
